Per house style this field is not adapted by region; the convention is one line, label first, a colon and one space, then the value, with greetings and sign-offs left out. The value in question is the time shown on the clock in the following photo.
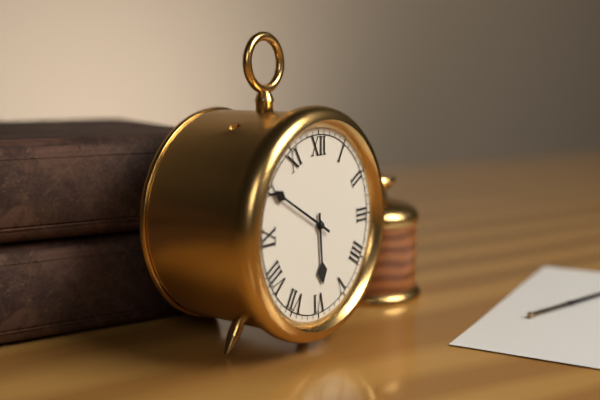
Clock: 5:50
